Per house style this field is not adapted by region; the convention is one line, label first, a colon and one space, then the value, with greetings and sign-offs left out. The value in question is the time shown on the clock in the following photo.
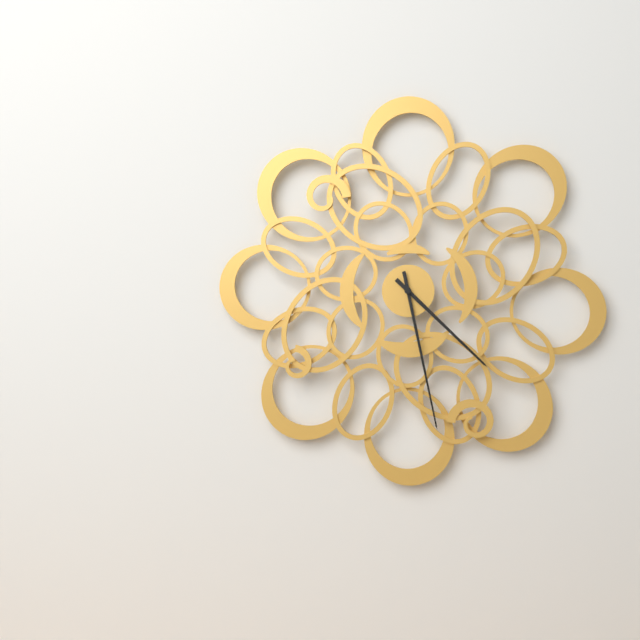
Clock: 4:28
